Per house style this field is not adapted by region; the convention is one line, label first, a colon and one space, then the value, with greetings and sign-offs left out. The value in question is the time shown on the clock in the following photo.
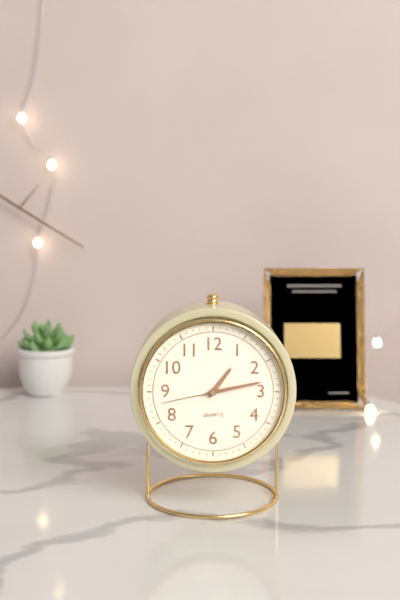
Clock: 1:13:43
